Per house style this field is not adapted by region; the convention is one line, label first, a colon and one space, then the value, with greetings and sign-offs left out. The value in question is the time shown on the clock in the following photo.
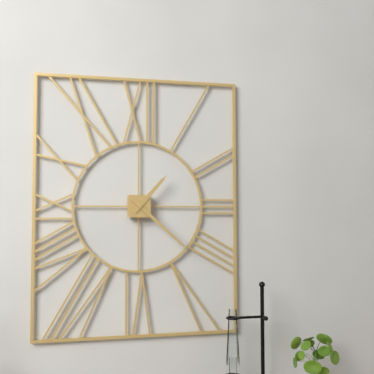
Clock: 1:22
